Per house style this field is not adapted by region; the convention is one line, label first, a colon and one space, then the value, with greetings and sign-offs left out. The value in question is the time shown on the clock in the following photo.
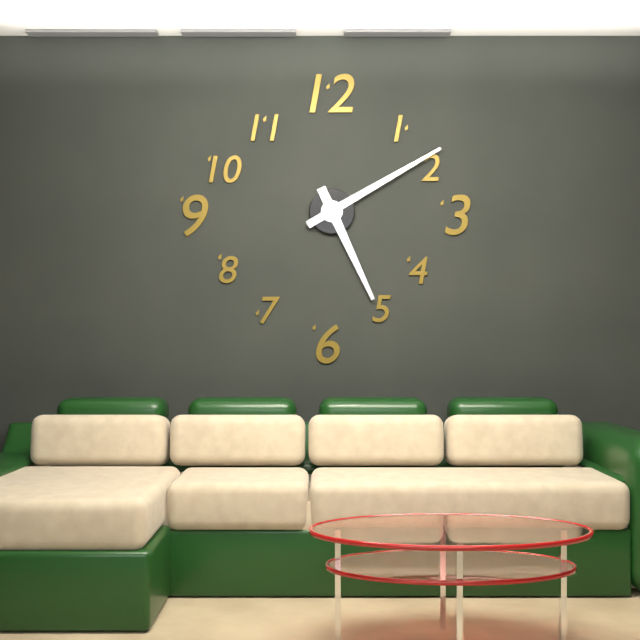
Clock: 5:10
